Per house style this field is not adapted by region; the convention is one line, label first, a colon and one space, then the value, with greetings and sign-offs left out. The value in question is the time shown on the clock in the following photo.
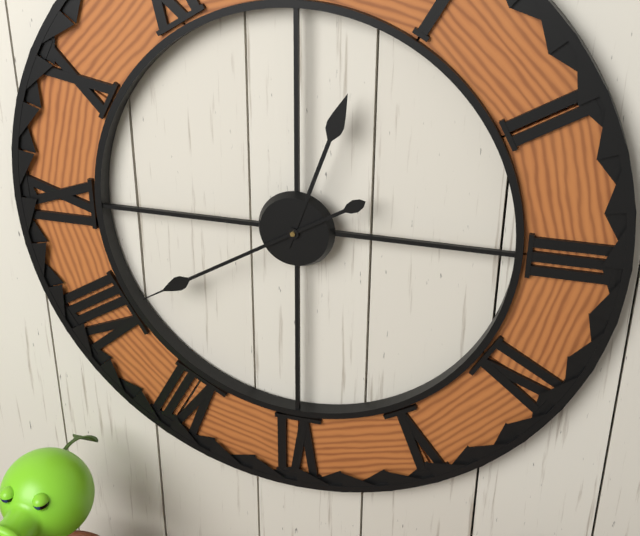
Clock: 12:40
